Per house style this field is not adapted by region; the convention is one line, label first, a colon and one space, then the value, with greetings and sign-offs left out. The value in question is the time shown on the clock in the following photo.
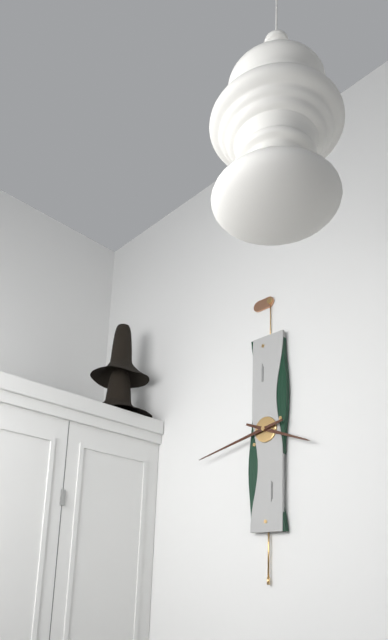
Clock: 3:43
